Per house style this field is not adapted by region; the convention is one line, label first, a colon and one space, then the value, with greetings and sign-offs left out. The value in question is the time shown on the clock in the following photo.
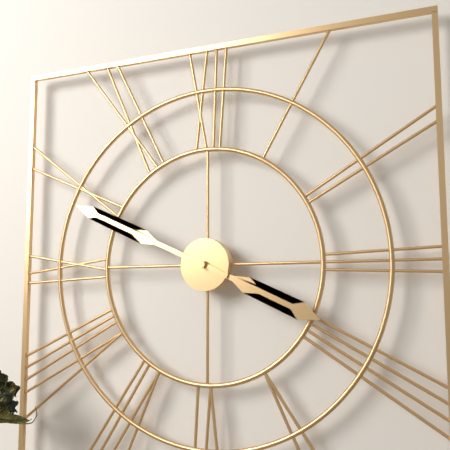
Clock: 3:49
